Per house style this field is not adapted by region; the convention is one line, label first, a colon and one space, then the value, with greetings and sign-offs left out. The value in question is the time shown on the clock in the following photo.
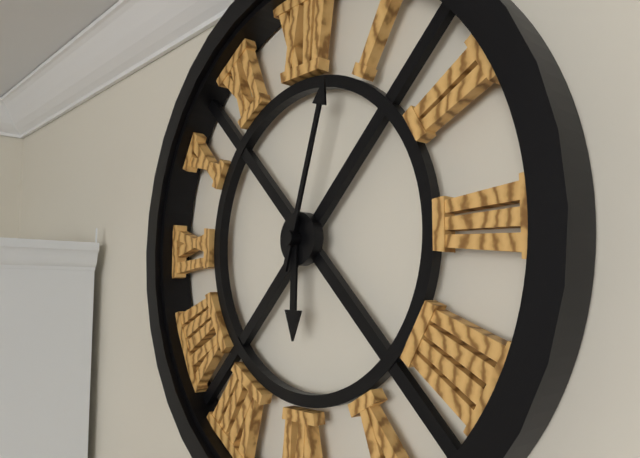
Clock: 6:03
